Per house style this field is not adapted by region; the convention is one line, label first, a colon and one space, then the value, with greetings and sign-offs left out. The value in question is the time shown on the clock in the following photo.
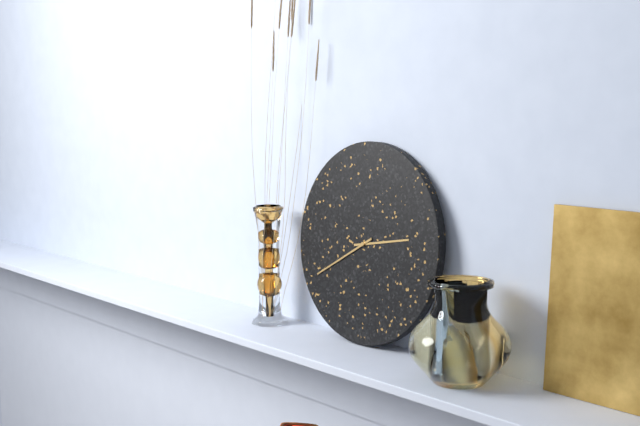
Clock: 2:40
